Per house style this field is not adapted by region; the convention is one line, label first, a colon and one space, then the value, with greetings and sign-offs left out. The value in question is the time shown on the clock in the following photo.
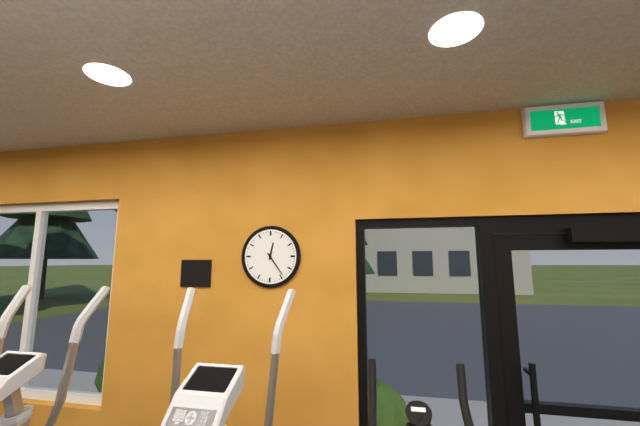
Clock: 12:24
